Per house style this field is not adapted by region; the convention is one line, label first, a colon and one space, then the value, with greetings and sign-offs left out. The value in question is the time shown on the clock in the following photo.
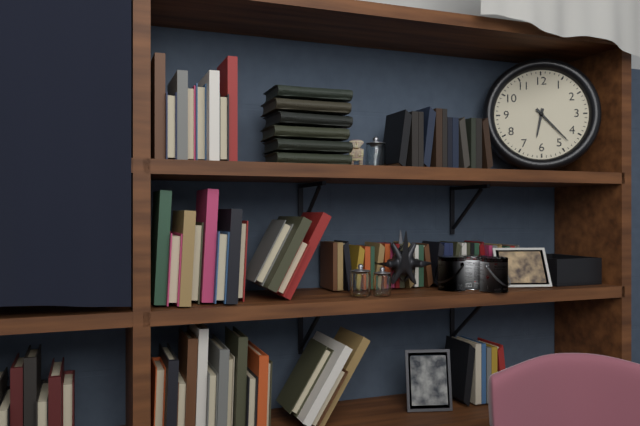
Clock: 6:23
